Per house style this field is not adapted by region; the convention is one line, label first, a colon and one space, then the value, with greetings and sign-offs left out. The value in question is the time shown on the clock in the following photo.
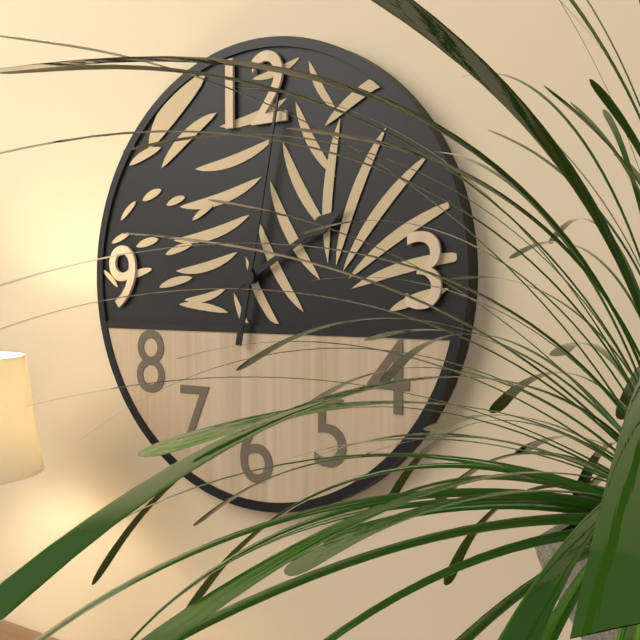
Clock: 2:02
